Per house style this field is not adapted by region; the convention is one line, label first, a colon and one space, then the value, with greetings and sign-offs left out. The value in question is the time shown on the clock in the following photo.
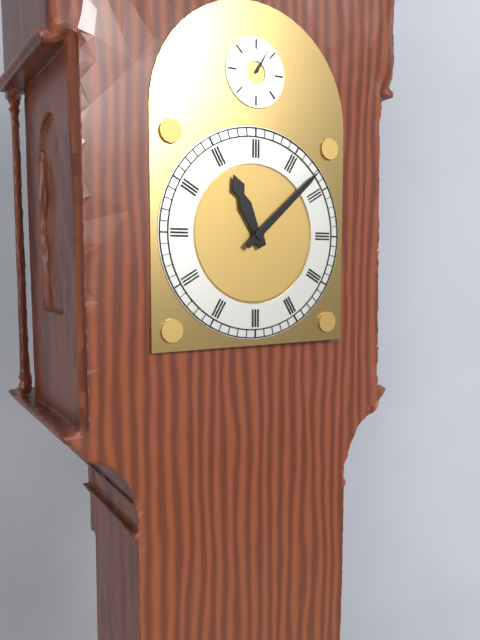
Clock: 11:08
